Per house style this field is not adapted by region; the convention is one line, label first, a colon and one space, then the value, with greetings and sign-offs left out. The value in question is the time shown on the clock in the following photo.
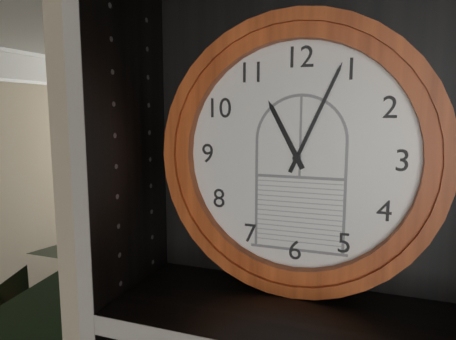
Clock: 11:04
